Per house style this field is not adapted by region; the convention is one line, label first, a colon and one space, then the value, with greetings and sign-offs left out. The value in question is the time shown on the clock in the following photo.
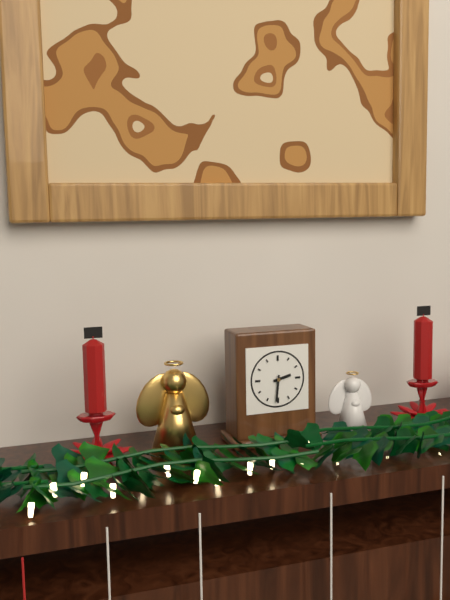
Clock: 2:31
